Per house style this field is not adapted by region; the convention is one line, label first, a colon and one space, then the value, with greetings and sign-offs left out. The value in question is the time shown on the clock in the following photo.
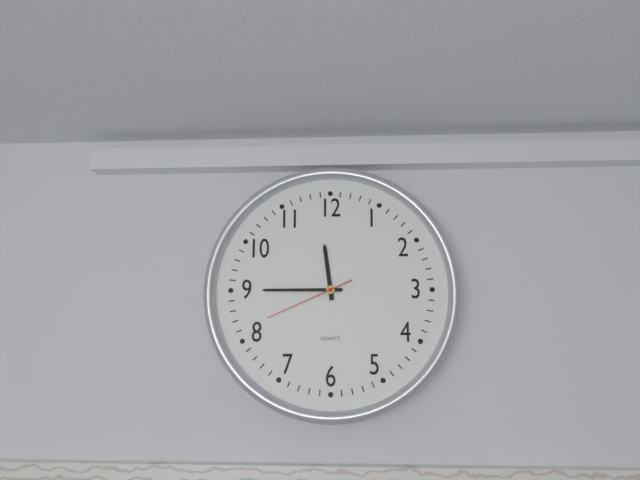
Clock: 11:45:41
